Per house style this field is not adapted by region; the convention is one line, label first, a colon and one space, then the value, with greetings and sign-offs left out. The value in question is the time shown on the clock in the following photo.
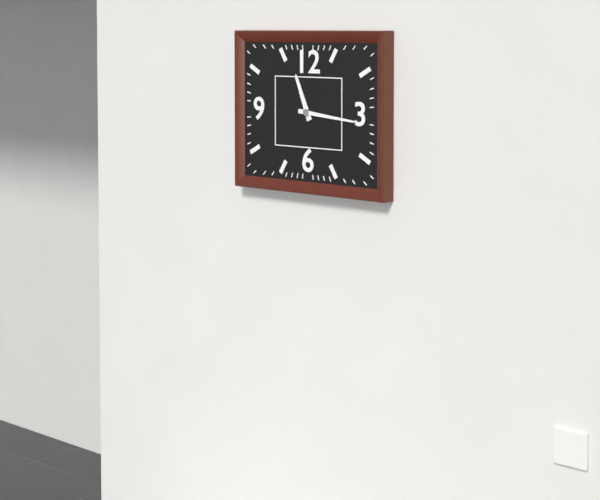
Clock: 11:16
